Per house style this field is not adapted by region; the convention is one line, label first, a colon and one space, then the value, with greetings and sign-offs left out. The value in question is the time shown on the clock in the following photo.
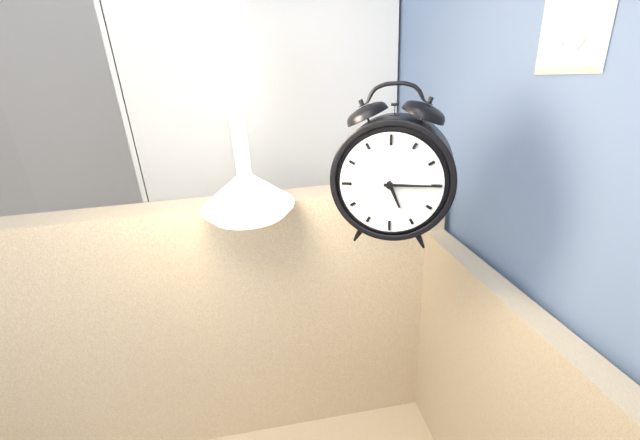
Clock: 5:15
